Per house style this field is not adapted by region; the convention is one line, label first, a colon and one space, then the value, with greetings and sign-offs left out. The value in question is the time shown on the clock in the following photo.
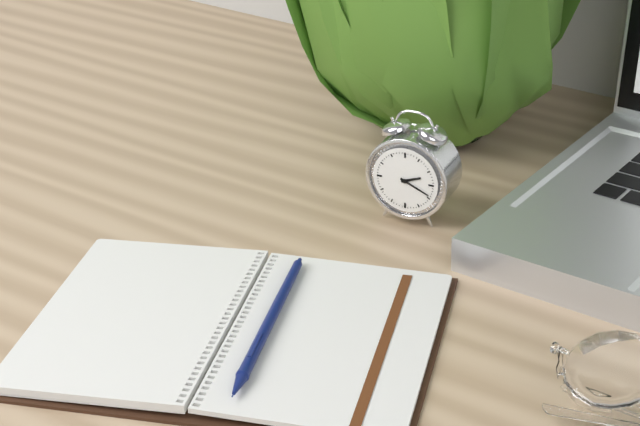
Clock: 2:19
